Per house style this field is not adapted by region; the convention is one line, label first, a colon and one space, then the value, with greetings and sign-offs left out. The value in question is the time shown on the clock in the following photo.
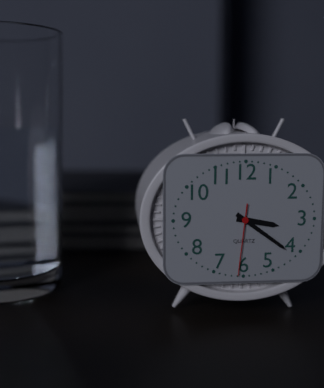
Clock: 3:21:31
